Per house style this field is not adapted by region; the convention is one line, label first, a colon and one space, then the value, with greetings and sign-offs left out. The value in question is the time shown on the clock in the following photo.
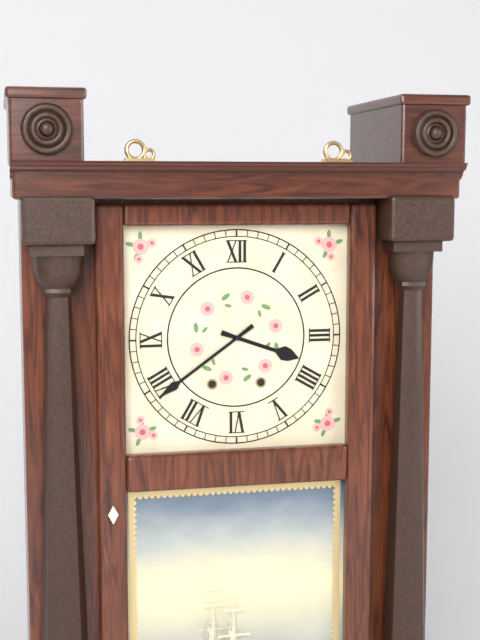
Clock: 3:39
